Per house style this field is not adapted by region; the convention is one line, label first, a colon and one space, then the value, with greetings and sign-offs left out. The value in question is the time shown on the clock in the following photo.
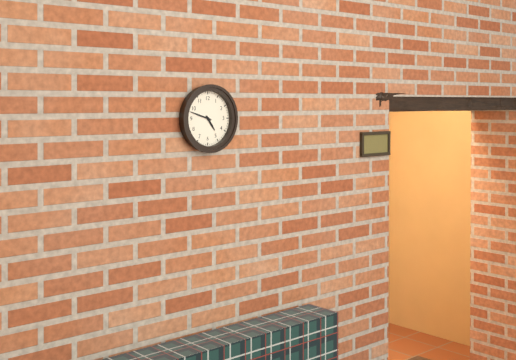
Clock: 4:48
